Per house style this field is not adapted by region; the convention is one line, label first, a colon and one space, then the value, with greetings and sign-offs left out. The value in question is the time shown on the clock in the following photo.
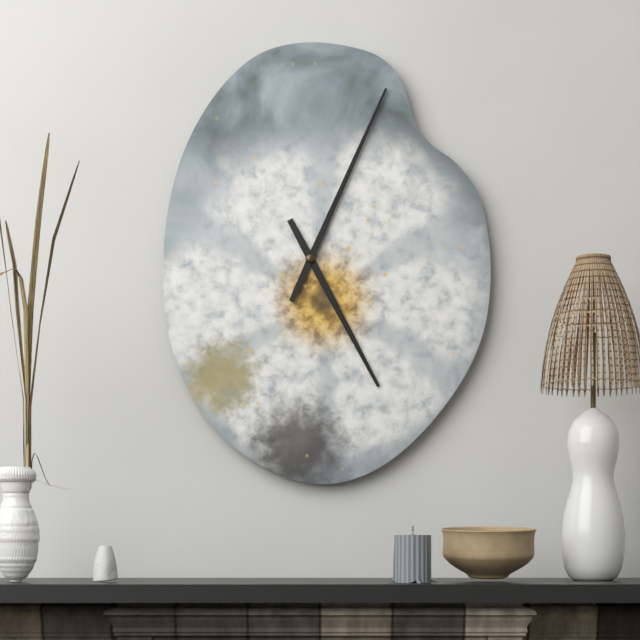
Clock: 5:04
